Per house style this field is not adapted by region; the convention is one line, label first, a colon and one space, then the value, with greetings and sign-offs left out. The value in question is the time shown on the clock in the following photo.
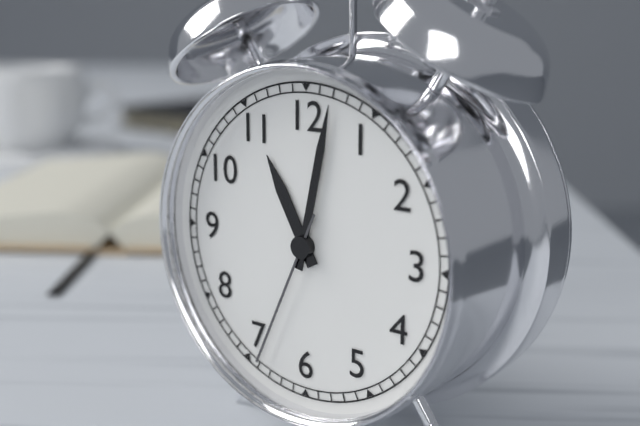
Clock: 11:02:34
